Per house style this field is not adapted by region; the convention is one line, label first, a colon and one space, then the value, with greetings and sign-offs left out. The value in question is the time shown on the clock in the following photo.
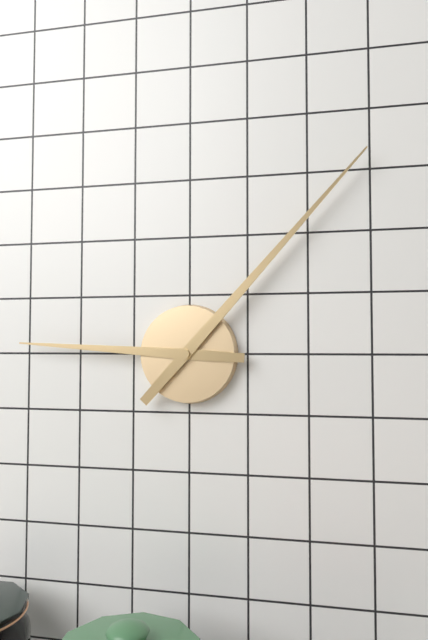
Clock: 9:07
